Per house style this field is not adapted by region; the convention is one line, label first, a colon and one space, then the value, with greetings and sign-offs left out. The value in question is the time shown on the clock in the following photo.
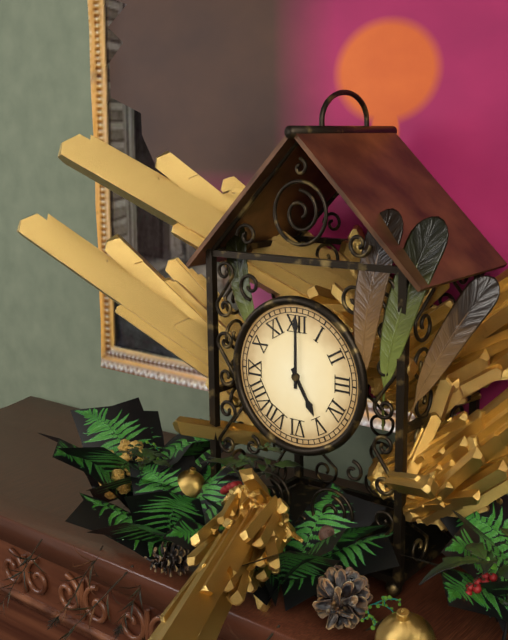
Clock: 5:00
